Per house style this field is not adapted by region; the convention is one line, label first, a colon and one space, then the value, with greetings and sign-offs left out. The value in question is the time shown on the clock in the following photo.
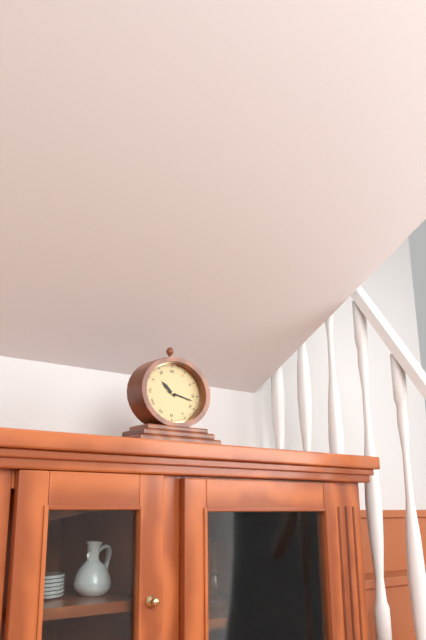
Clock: 10:17
